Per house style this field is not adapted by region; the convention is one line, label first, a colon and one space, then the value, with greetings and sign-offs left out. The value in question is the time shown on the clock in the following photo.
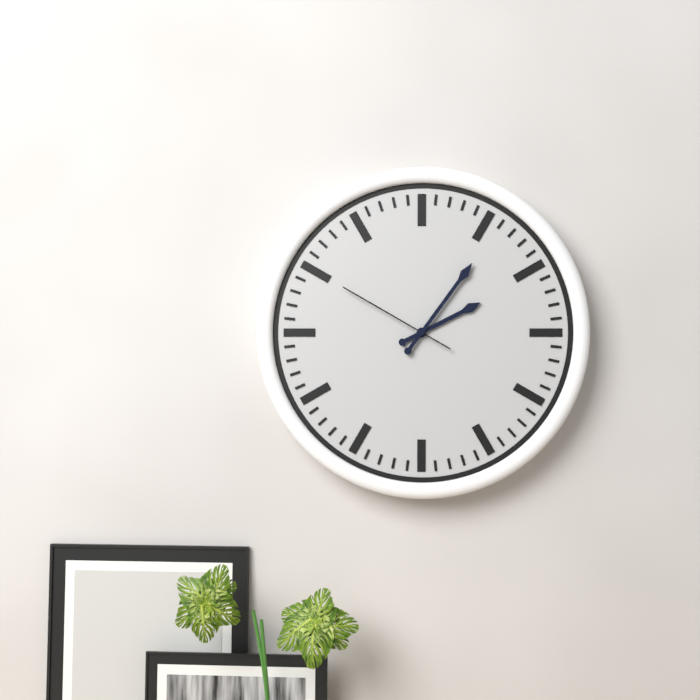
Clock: 2:06:50
